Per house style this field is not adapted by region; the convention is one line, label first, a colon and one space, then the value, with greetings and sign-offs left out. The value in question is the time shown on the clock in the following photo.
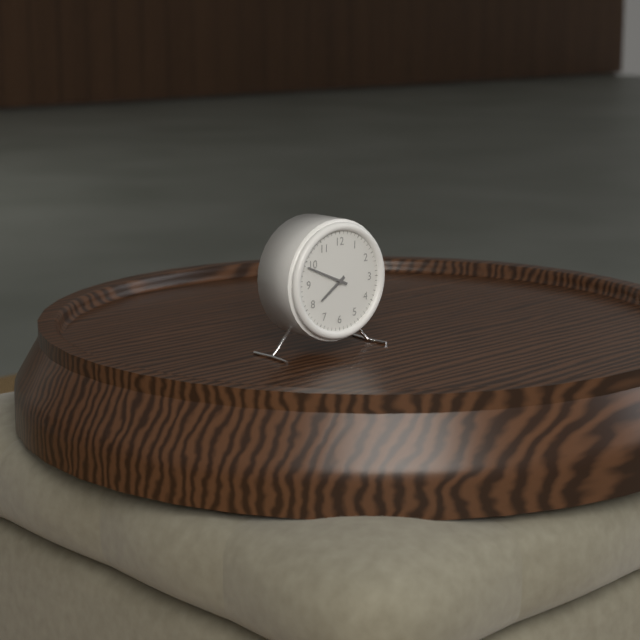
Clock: 7:49
